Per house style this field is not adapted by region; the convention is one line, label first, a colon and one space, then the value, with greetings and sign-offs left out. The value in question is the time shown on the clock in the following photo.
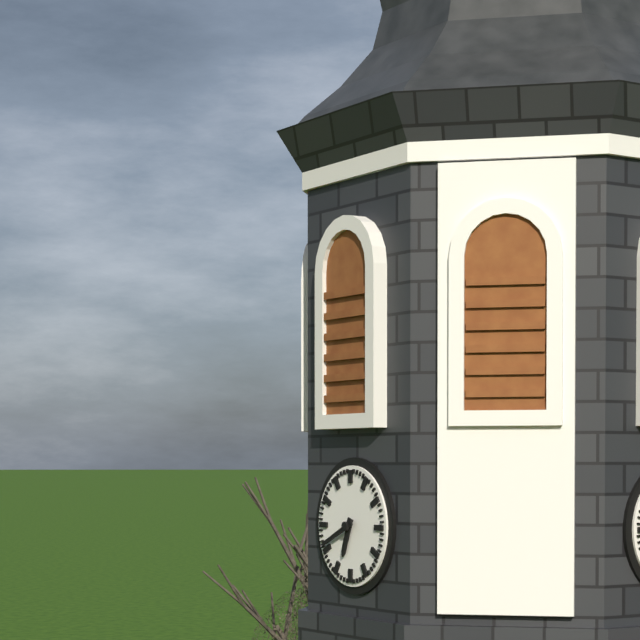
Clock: 6:41
